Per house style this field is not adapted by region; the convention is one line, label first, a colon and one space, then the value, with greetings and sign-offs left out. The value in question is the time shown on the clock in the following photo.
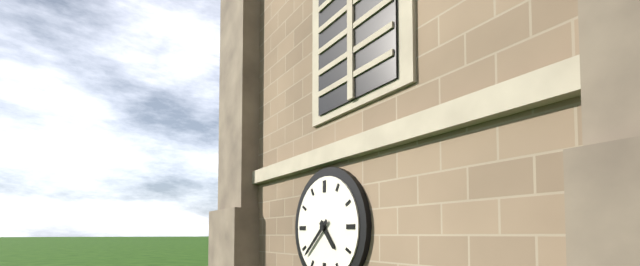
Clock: 4:38
